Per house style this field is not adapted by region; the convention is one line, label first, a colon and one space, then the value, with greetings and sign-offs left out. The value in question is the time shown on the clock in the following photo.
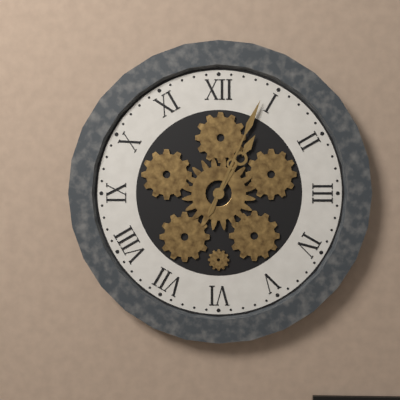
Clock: 1:04
